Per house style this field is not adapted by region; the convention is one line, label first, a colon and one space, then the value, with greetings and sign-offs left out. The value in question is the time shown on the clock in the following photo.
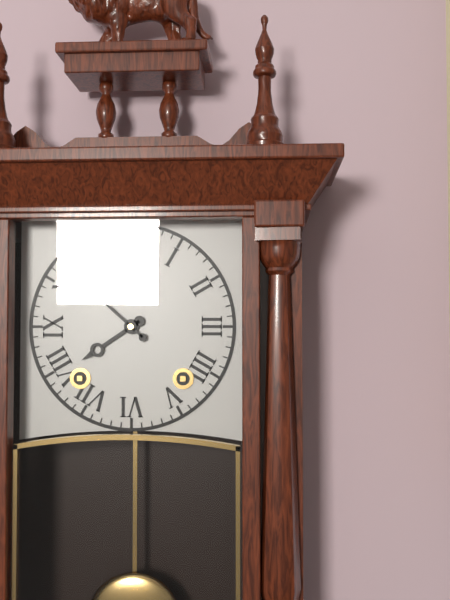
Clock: 7:52
